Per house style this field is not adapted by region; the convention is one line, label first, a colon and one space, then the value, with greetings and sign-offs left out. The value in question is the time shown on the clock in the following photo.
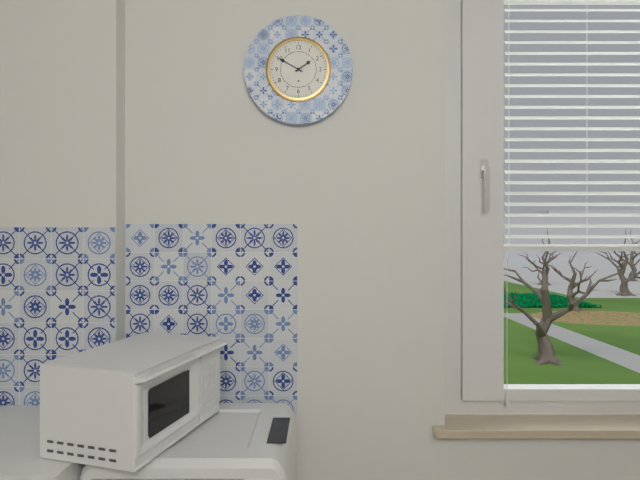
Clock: 1:50
